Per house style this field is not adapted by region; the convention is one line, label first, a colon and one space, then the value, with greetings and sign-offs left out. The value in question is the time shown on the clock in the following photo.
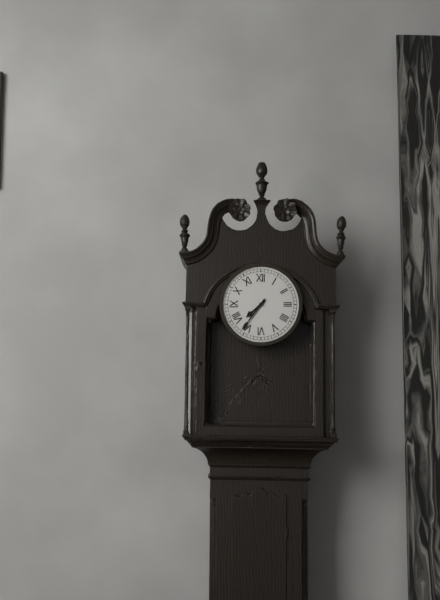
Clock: 7:36
